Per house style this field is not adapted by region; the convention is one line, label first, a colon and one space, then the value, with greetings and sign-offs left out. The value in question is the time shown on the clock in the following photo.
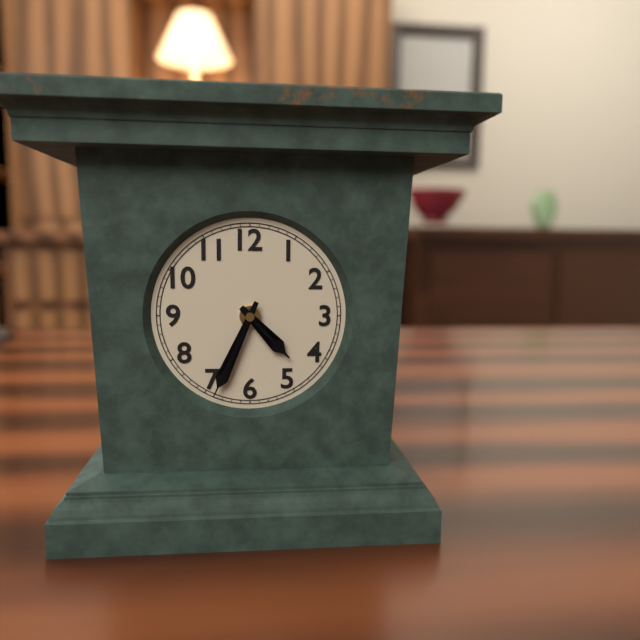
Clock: 4:34
